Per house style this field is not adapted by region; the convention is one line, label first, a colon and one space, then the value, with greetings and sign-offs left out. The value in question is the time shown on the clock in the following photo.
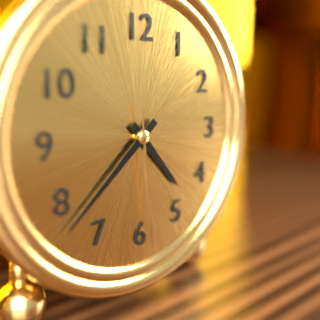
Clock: 4:38:29
